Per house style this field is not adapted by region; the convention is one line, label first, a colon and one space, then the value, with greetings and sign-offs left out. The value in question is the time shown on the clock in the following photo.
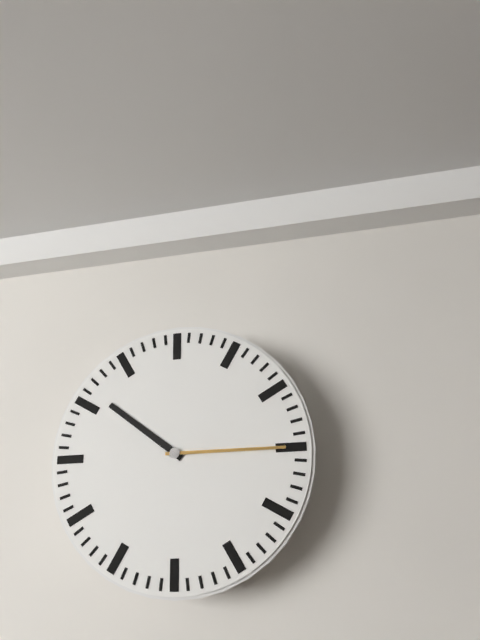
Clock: 10:15
